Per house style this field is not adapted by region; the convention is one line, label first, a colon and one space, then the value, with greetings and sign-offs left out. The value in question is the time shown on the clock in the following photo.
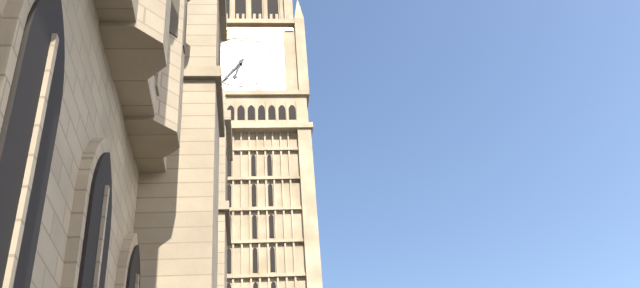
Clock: 6:36
